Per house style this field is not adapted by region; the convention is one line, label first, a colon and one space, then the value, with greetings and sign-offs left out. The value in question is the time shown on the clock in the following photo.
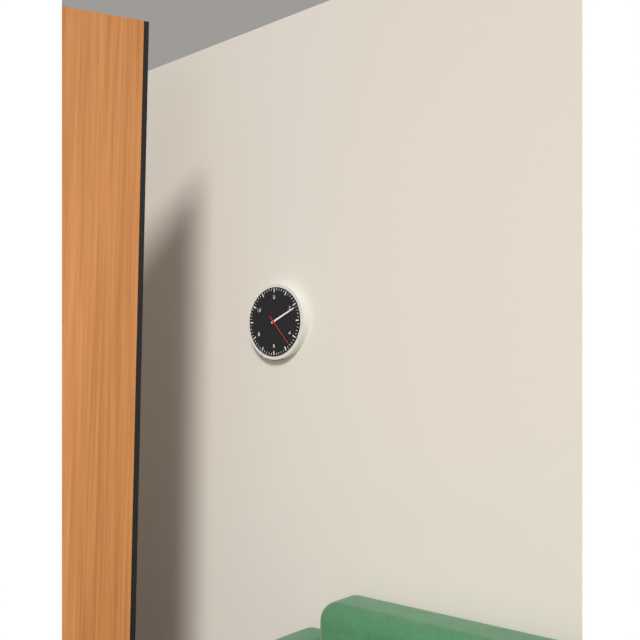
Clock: 2:11
